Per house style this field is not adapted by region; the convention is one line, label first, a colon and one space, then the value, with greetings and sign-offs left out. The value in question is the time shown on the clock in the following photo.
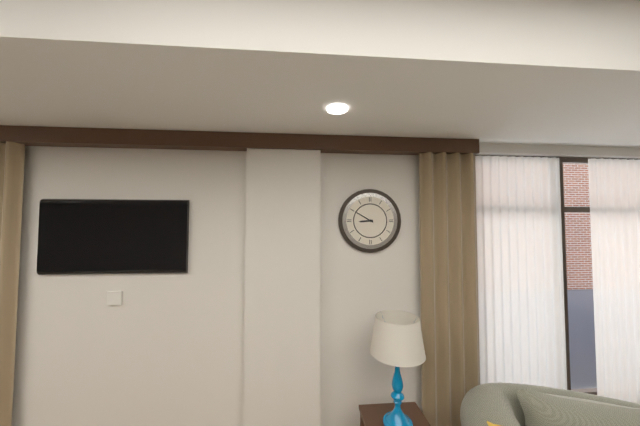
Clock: 8:50
